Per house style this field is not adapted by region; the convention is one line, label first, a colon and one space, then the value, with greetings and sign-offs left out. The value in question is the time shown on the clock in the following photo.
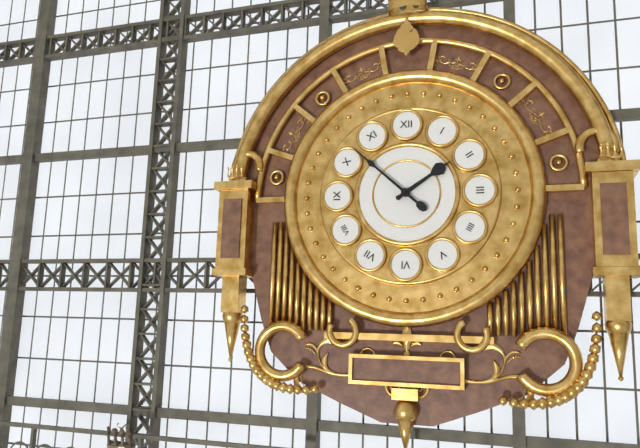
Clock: 1:52
